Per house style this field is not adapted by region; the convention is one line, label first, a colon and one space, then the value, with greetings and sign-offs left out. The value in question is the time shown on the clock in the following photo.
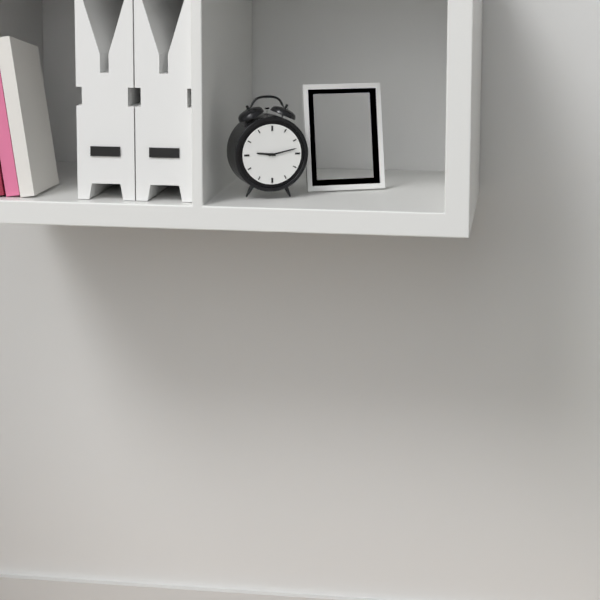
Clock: 9:13
